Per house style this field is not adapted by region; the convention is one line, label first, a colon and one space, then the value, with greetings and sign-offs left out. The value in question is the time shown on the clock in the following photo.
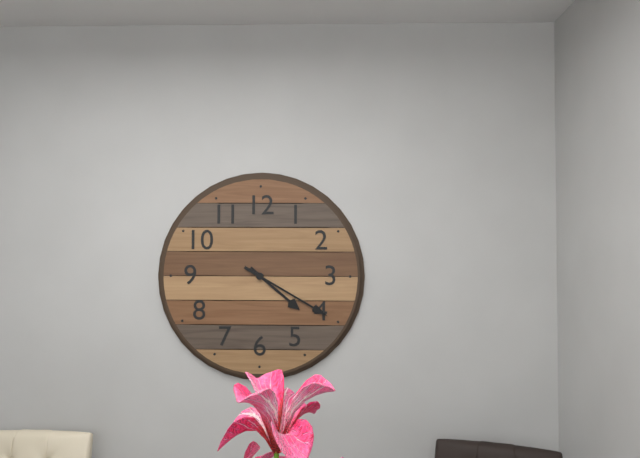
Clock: 4:20
